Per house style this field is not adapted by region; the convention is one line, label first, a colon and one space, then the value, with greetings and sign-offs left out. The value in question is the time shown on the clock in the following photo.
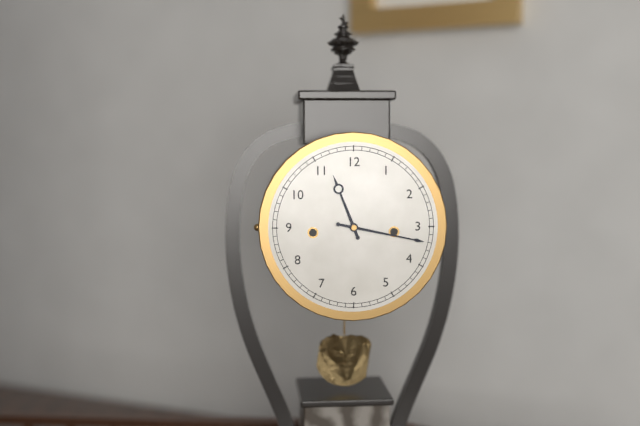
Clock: 11:17
